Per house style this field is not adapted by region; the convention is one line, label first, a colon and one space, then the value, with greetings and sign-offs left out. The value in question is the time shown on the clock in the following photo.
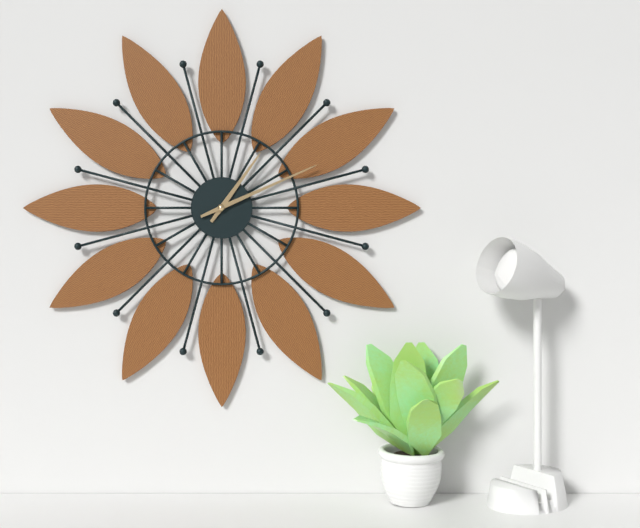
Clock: 1:11
